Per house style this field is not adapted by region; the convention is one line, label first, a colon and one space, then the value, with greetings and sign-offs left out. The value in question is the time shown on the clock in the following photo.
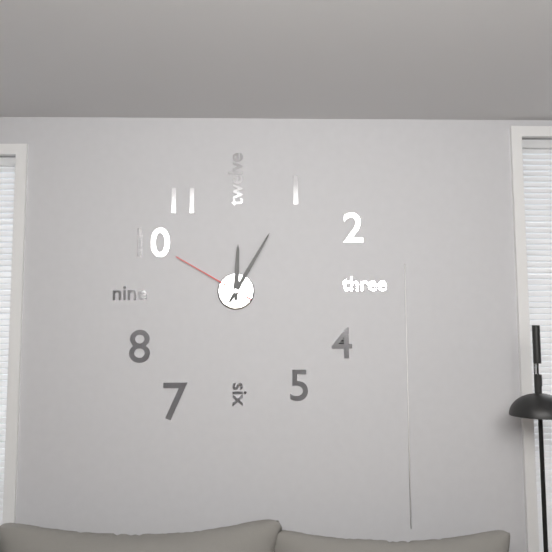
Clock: 12:05:50
